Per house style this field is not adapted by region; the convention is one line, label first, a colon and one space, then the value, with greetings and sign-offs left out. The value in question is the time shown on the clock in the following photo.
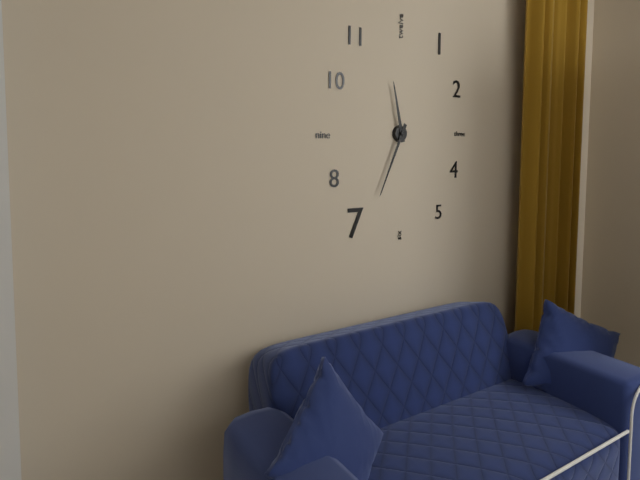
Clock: 11:34
